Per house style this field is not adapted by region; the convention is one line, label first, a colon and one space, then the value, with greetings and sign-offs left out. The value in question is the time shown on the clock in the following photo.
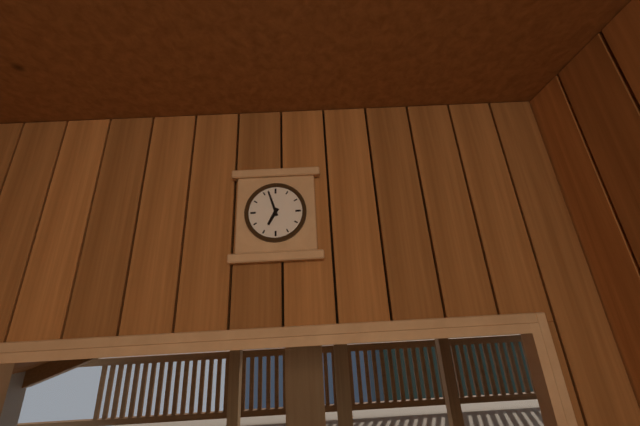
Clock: 6:57
